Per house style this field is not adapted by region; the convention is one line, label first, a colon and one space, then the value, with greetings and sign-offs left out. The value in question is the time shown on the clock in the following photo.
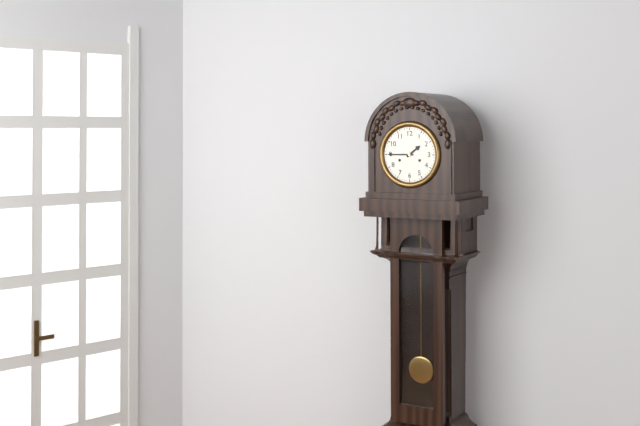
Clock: 1:45
